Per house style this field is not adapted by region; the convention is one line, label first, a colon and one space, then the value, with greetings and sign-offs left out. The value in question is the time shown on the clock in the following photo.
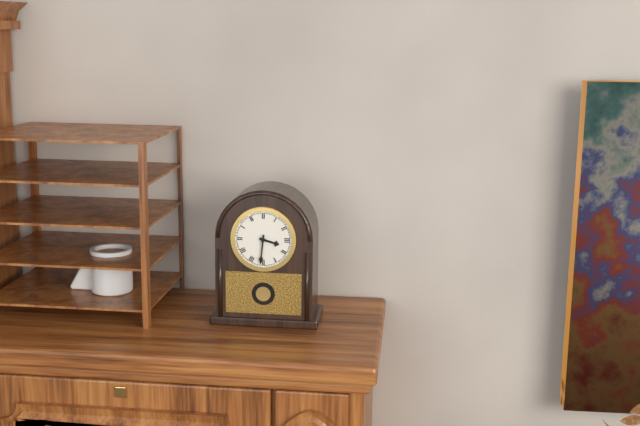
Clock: 3:31
